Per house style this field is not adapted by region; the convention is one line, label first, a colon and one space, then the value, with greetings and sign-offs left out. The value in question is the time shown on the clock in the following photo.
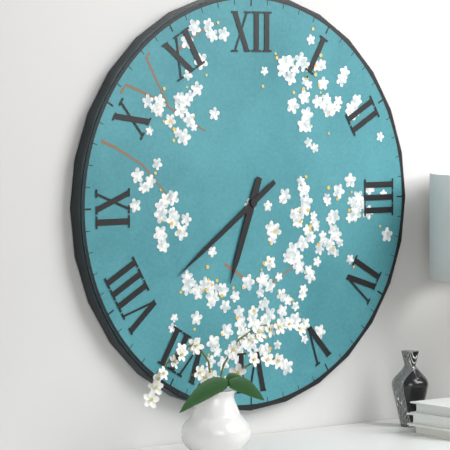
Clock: 6:39
